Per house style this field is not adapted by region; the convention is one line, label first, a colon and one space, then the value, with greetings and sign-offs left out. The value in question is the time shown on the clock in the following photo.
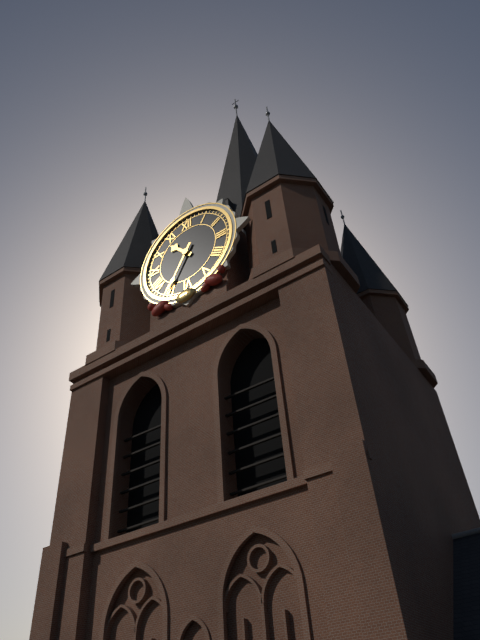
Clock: 10:35
